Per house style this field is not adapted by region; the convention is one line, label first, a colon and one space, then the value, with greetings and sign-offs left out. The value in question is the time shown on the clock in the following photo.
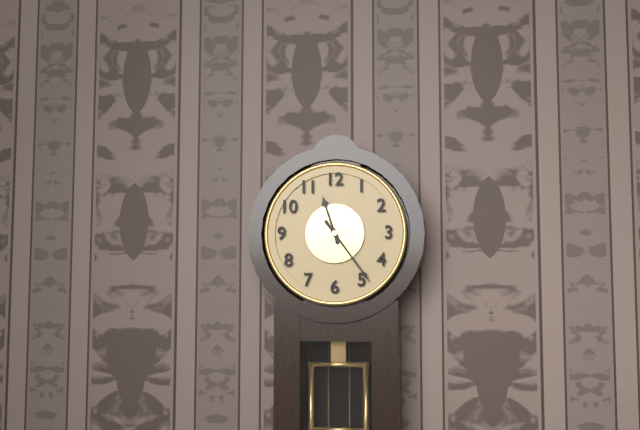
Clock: 11:24
